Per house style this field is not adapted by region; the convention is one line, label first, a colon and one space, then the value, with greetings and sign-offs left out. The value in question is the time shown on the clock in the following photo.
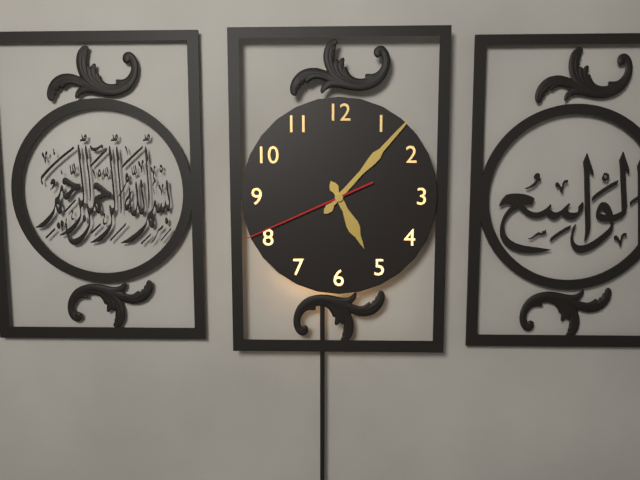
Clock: 5:07:41
